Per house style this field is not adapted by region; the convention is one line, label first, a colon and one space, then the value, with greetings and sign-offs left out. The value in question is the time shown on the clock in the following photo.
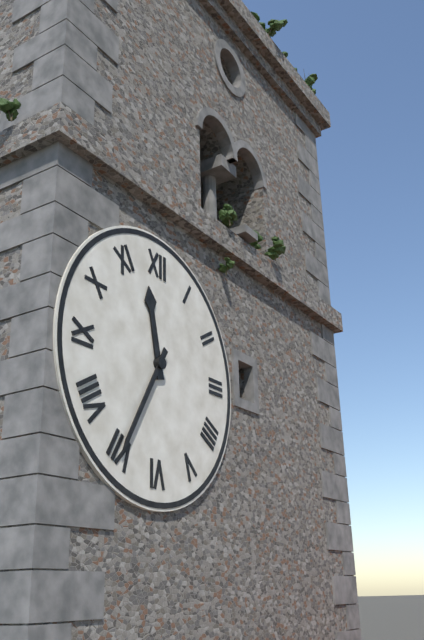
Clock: 11:35
